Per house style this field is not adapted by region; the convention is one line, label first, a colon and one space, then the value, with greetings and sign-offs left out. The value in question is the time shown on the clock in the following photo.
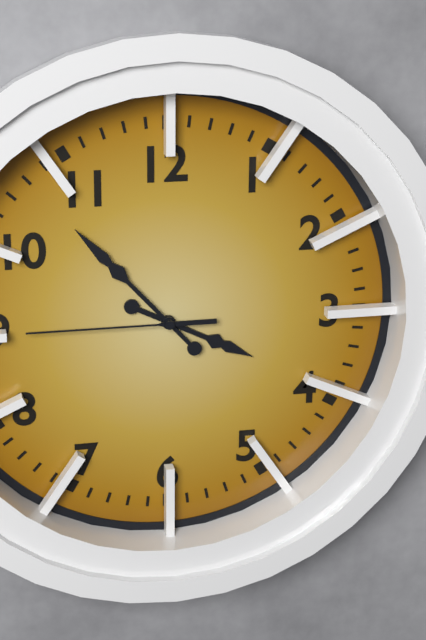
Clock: 3:53:45
